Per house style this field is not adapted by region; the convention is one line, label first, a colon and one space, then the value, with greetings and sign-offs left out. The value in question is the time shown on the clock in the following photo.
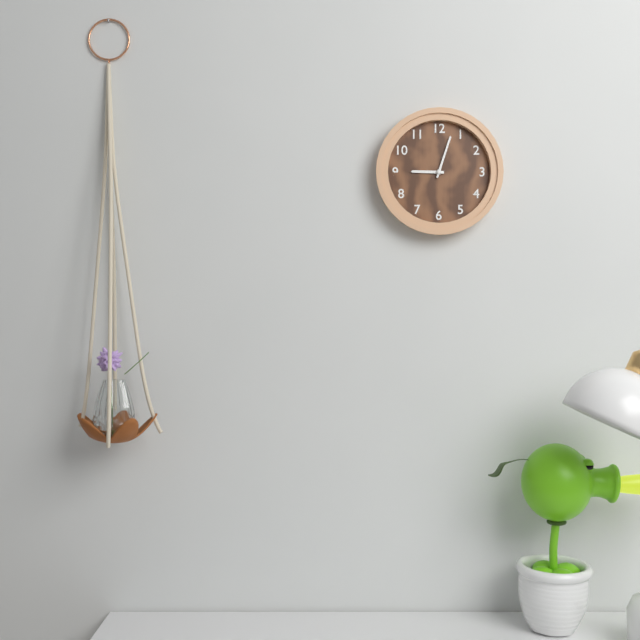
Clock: 9:03
